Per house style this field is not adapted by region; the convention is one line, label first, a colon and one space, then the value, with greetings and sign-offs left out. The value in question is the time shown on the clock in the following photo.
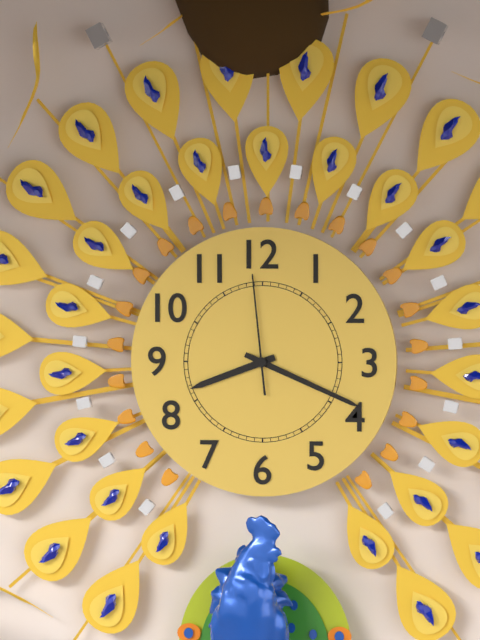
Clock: 8:19:59
